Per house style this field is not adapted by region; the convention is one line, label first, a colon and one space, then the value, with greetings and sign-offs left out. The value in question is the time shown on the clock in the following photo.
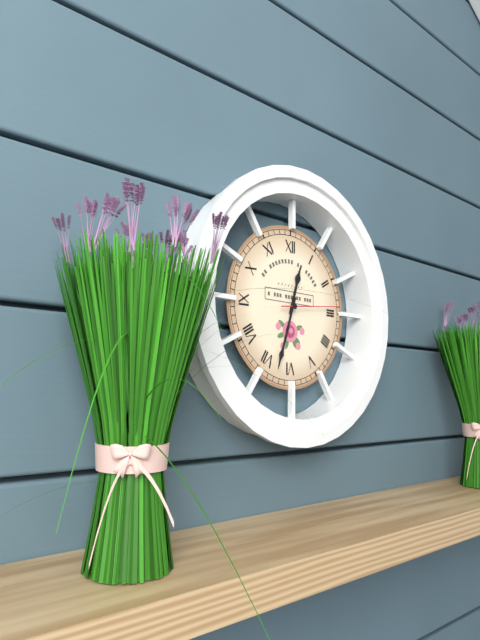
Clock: 12:33:14
